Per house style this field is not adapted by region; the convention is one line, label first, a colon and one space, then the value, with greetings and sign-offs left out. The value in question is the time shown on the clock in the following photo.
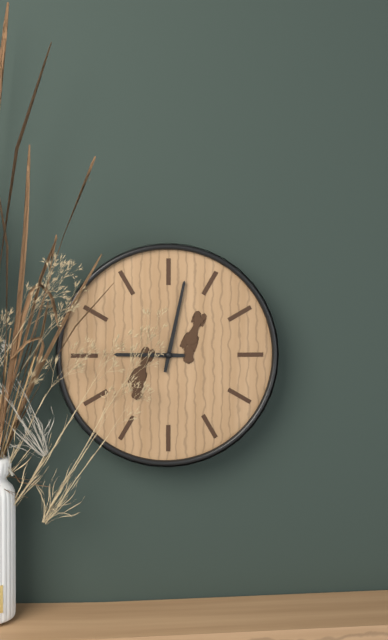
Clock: 9:02
